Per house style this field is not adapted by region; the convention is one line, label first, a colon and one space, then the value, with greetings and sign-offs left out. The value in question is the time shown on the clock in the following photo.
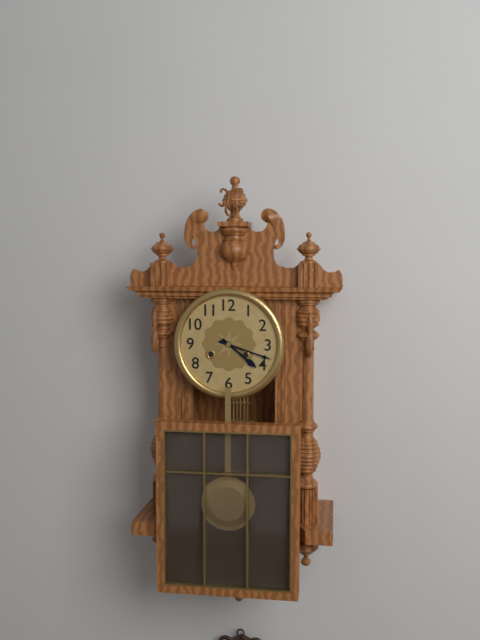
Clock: 4:18
